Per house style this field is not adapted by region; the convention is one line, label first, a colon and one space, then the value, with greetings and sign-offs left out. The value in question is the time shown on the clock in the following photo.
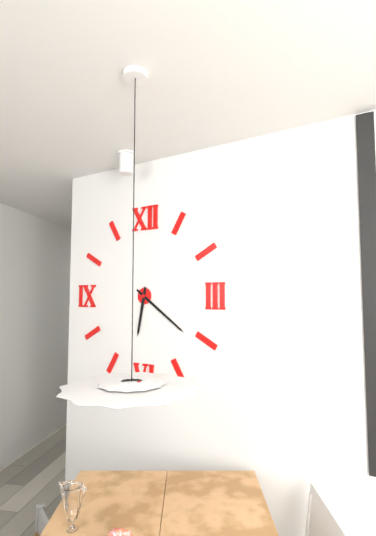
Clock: 6:21
